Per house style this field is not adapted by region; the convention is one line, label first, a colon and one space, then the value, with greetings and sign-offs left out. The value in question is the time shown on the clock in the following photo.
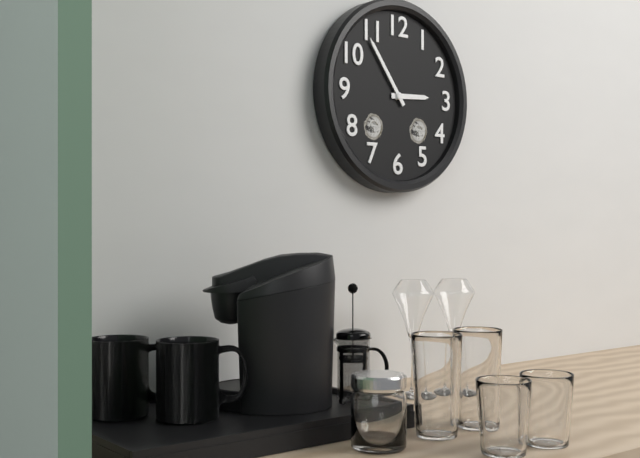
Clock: 2:54
